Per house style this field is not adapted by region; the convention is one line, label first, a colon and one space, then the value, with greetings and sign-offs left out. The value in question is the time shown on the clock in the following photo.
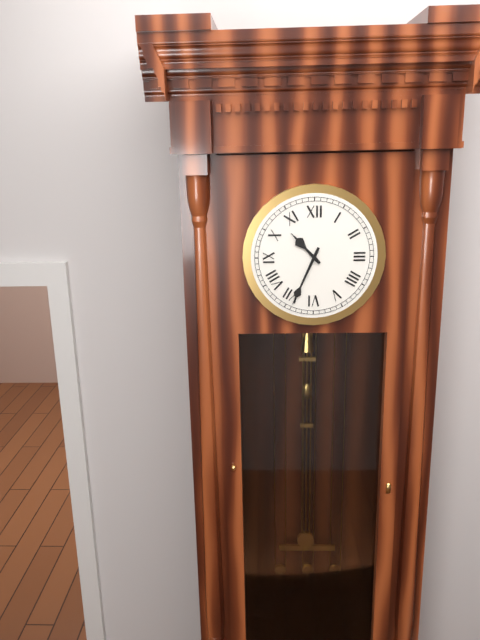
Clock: 10:34
